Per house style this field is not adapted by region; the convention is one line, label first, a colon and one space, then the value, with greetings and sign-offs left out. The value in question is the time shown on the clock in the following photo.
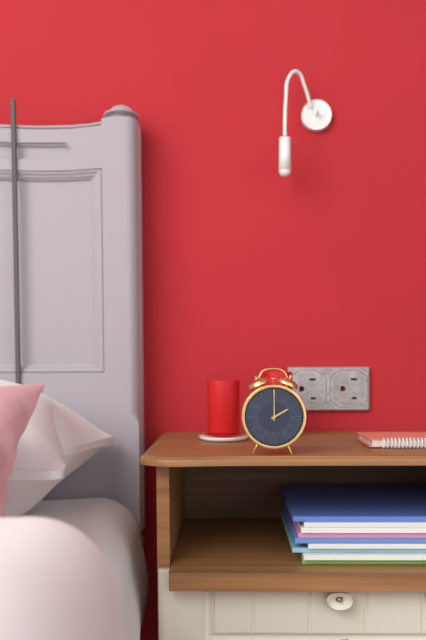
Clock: 2:00
